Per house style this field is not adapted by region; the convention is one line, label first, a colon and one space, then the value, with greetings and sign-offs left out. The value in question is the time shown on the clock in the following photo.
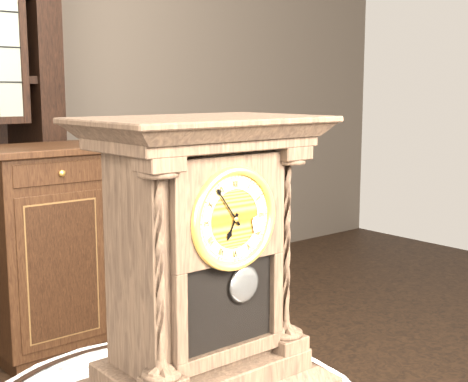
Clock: 6:54
